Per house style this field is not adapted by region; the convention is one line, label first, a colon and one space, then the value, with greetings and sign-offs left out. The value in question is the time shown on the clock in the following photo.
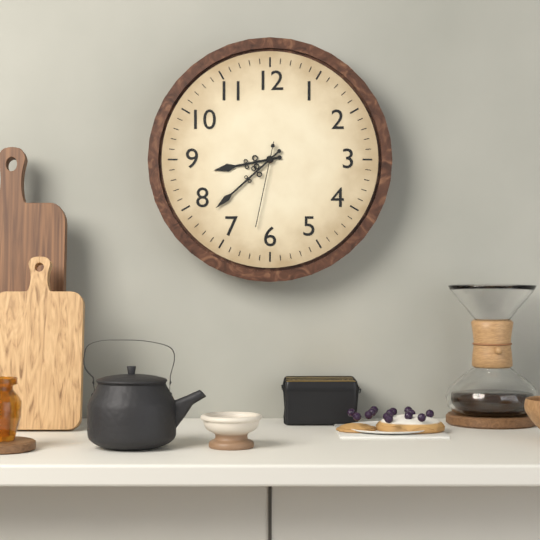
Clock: 8:38:32
